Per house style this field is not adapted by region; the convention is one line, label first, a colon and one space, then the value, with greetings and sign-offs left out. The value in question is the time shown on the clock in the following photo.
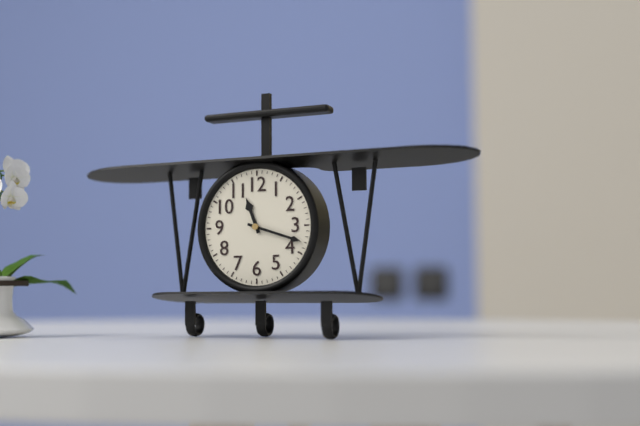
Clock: 11:18
